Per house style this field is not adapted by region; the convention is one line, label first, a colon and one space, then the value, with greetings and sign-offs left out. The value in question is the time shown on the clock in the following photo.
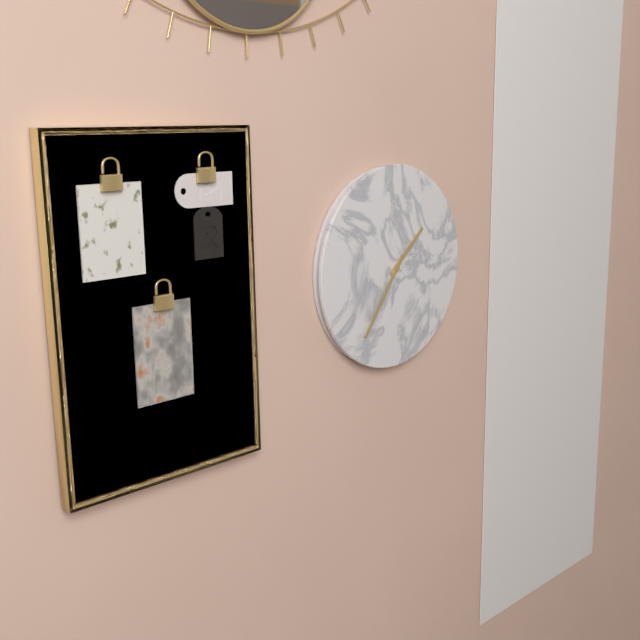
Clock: 1:36
